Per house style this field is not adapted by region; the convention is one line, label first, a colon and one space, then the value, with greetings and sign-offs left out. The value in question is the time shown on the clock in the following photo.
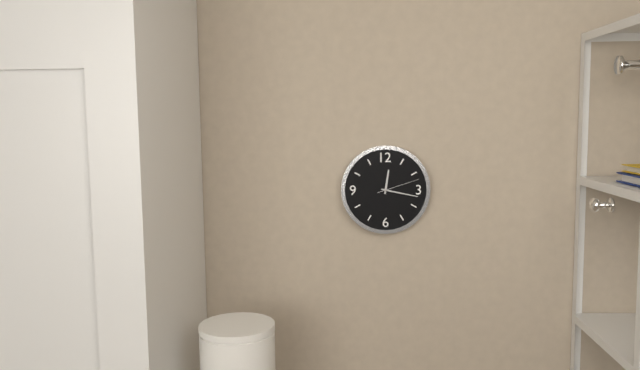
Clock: 12:17
